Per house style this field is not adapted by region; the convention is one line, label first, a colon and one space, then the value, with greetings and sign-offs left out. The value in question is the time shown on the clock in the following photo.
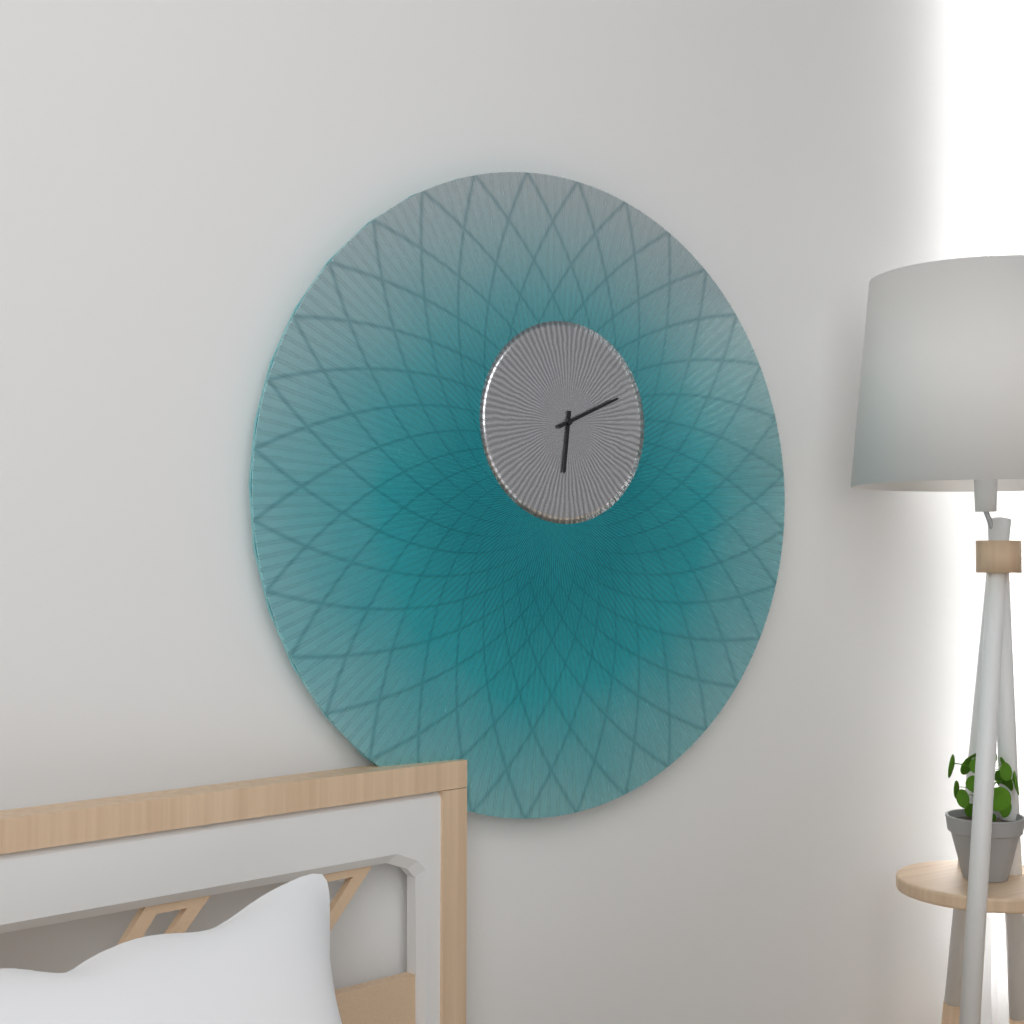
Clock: 6:11
